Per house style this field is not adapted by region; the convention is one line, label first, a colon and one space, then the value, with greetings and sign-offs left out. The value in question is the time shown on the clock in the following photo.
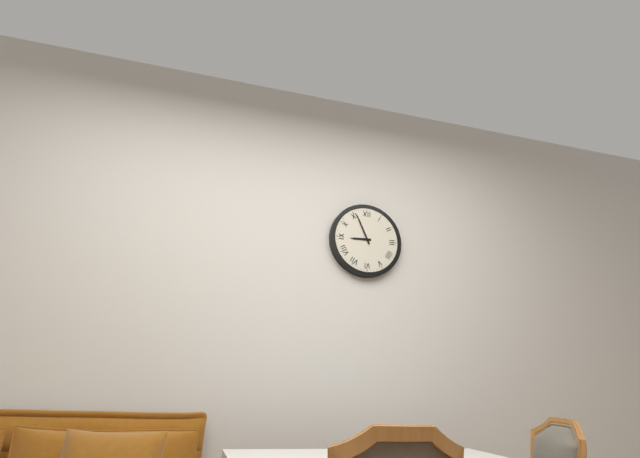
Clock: 8:56
